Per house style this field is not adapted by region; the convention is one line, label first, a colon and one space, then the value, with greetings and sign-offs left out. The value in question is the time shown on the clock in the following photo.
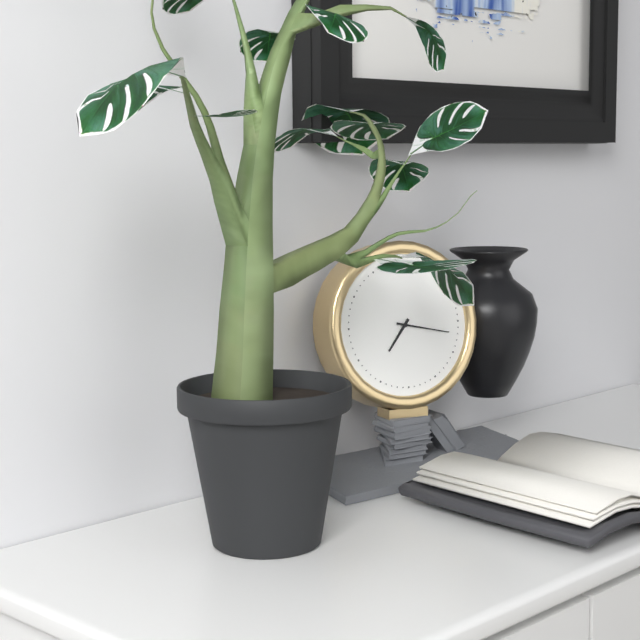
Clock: 7:17
